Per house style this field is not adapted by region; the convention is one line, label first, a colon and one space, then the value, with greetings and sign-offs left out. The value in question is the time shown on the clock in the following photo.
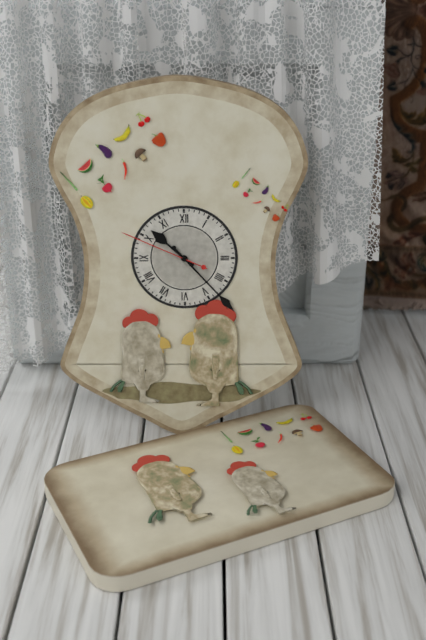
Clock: 10:23:49
